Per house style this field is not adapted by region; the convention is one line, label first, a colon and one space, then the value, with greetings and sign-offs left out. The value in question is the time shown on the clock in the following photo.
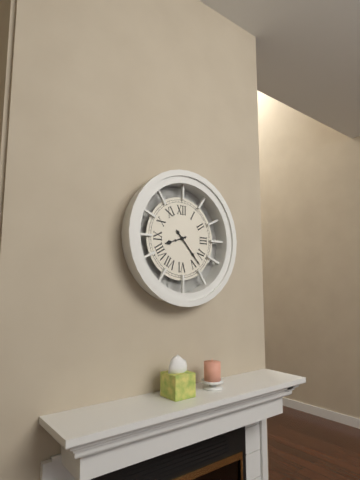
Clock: 8:23
